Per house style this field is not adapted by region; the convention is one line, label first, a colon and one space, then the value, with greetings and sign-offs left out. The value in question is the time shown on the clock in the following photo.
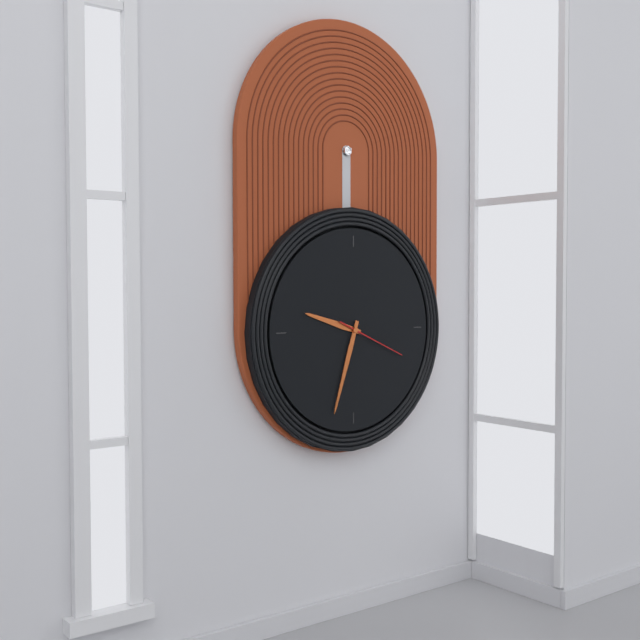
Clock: 9:33:19
